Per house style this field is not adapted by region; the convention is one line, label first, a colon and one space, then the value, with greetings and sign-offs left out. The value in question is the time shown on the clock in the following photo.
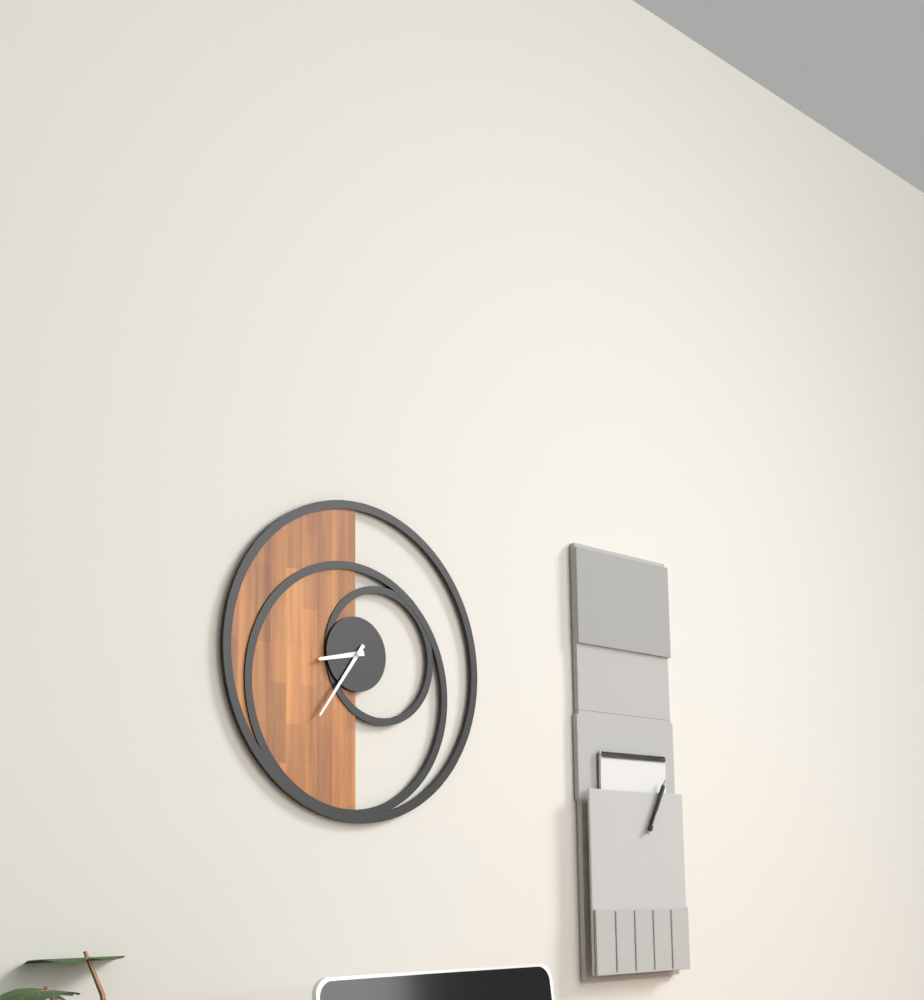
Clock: 8:36
